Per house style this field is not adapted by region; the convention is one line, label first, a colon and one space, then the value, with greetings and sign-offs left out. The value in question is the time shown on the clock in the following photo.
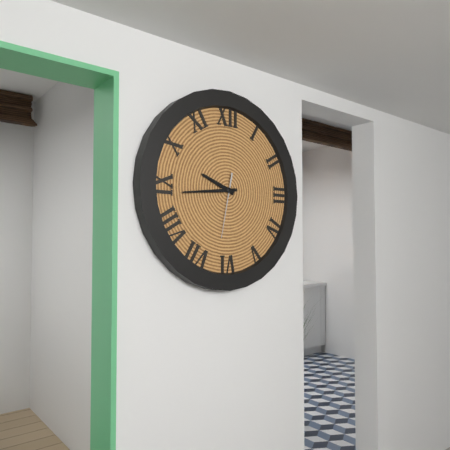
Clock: 9:44:32
